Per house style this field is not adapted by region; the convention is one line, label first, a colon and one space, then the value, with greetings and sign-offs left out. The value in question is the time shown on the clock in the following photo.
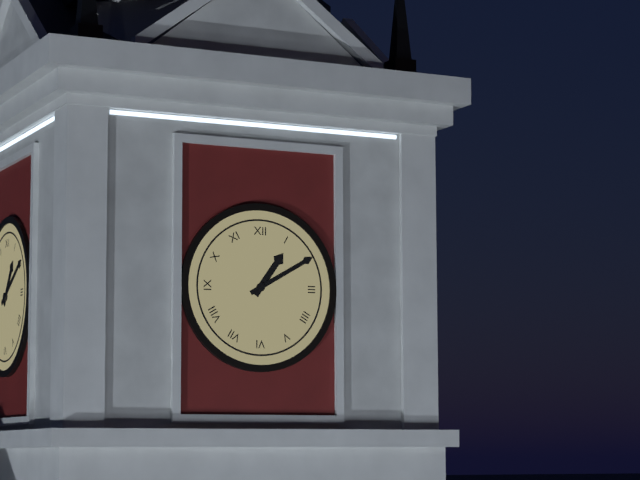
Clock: 1:10
